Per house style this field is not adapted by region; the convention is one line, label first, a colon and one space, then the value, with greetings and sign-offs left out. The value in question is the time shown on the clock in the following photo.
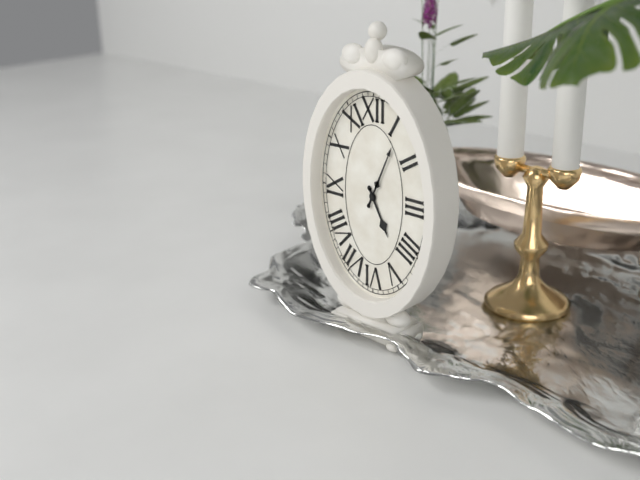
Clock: 5:04
